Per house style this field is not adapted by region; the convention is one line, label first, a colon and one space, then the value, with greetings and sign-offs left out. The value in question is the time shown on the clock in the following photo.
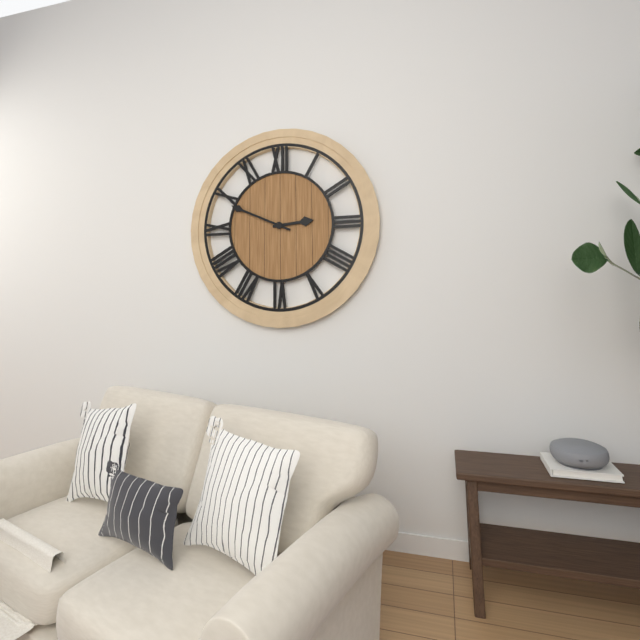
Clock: 2:49
